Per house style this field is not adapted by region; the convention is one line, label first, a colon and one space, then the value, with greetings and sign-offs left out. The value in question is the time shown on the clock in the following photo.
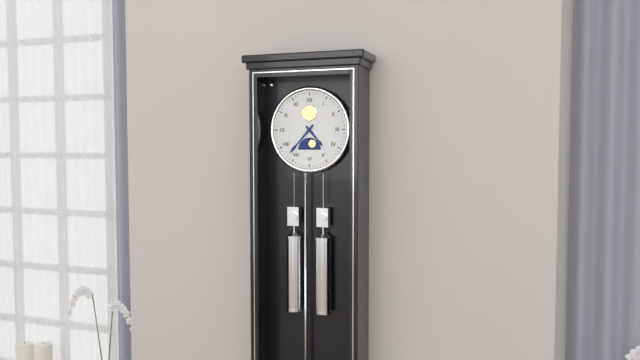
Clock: 4:37
